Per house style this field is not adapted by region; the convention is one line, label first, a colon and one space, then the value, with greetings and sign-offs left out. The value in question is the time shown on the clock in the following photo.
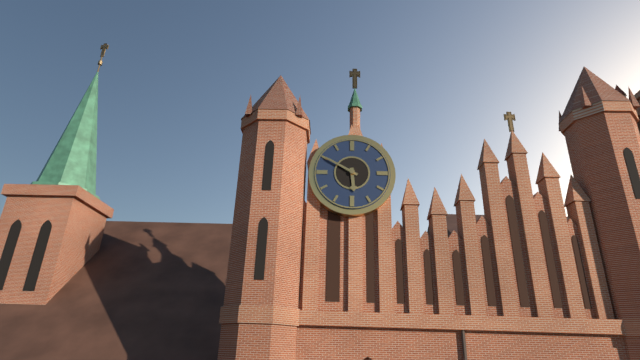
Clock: 5:50
